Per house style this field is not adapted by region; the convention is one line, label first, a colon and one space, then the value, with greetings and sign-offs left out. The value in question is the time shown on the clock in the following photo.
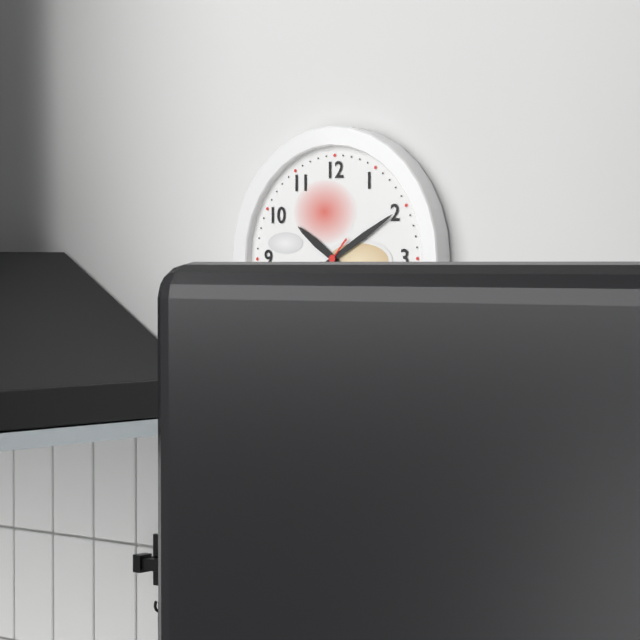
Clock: 10:10
